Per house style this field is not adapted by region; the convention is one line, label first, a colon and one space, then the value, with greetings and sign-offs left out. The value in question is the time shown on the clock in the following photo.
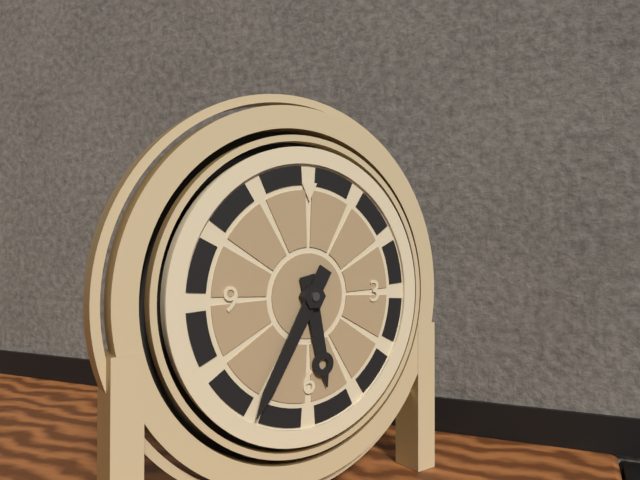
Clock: 5:35
